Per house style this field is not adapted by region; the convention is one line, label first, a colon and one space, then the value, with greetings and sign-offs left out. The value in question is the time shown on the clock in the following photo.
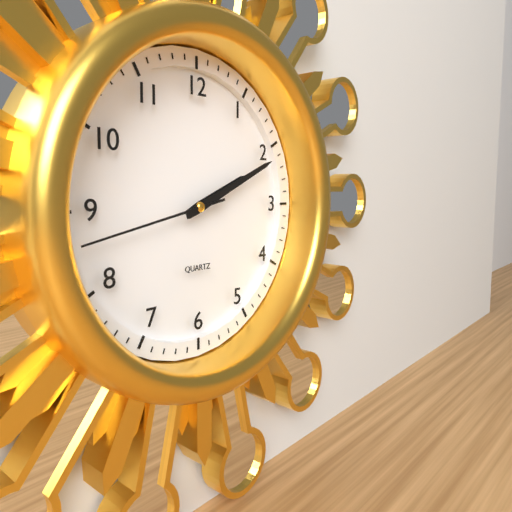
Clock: 2:11:43
